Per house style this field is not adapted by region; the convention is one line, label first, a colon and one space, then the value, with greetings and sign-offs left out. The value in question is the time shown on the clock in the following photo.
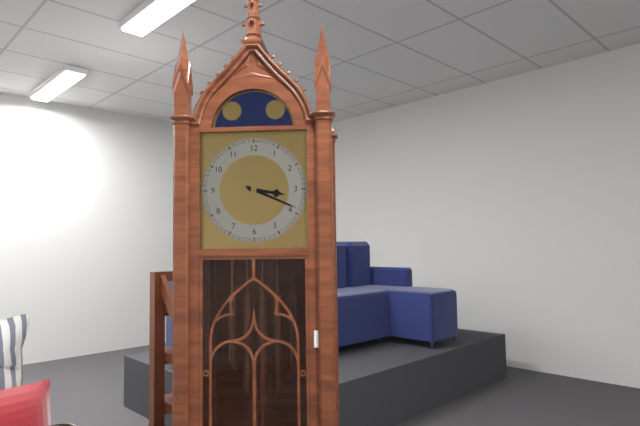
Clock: 3:19
